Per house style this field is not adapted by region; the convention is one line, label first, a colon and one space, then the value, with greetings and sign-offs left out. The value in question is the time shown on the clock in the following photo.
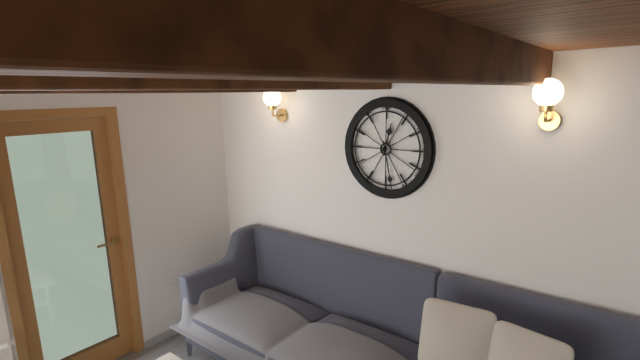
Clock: 12:28
